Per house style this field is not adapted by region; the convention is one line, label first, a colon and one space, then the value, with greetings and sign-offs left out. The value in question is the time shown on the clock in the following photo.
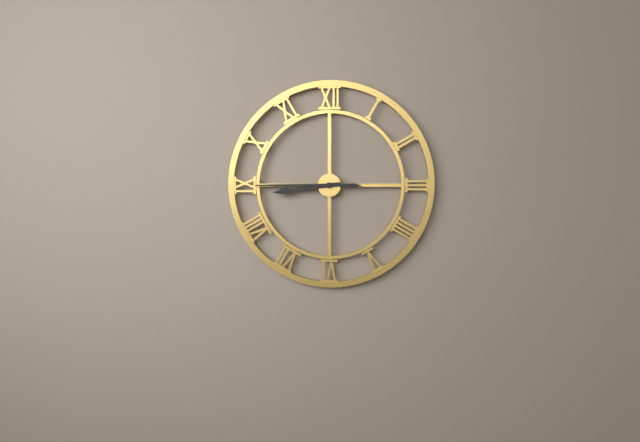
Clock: 8:45
